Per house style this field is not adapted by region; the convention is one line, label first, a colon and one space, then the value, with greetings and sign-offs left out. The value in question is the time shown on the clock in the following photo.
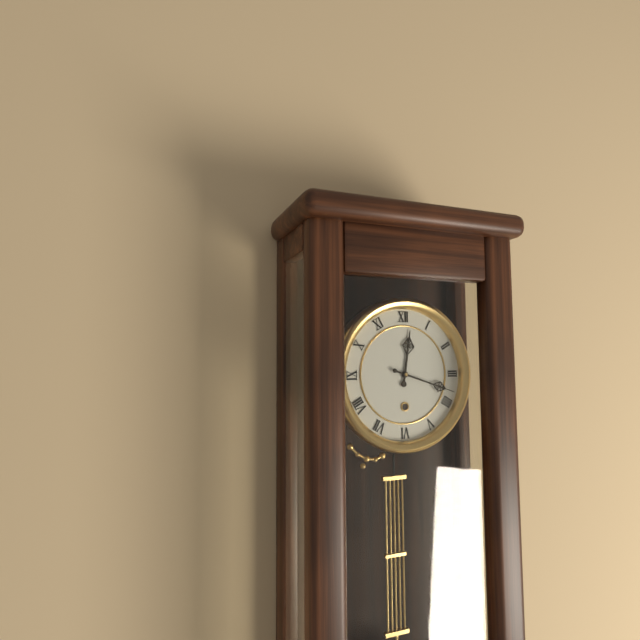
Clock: 12:18
